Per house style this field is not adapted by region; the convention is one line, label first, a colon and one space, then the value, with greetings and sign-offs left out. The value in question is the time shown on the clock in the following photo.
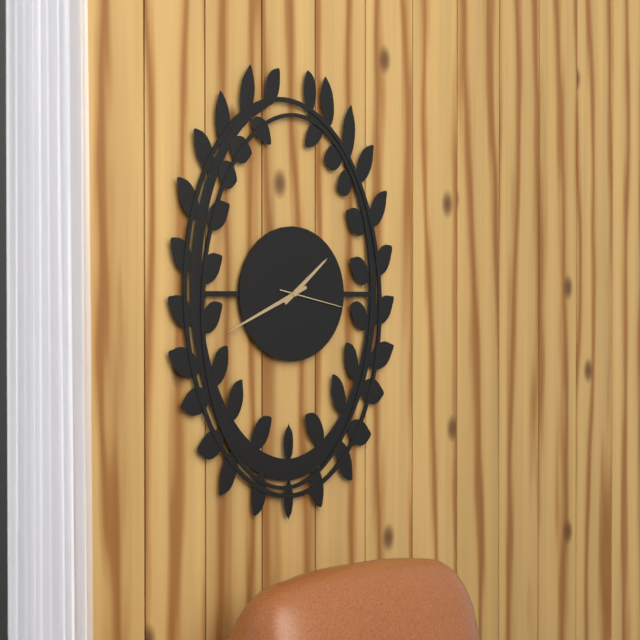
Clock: 1:41:17
